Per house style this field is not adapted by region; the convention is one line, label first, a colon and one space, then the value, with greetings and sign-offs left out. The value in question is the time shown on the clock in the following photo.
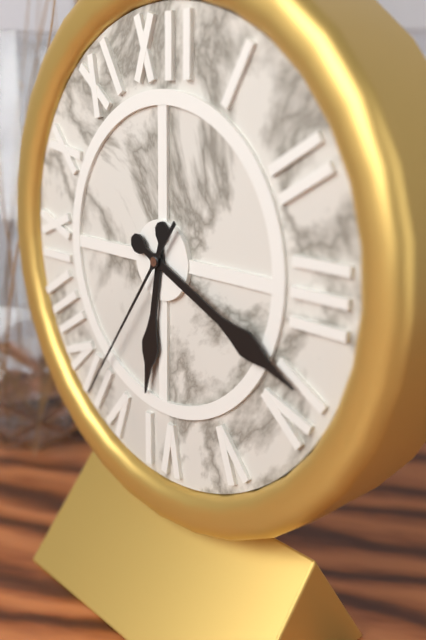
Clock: 6:19:36
